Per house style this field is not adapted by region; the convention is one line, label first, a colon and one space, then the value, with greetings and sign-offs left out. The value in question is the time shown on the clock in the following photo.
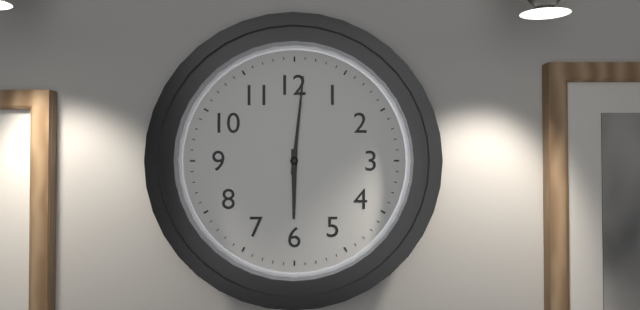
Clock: 6:01
